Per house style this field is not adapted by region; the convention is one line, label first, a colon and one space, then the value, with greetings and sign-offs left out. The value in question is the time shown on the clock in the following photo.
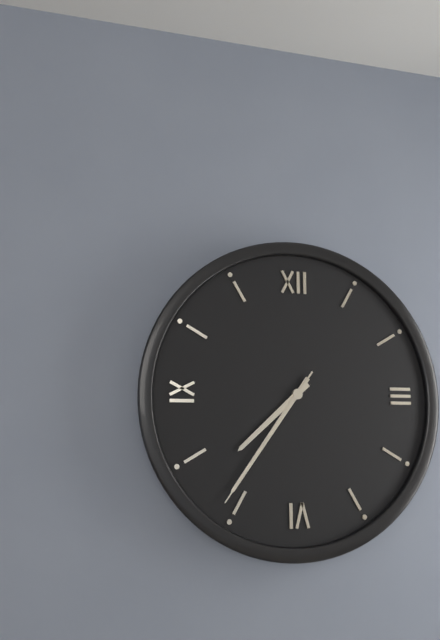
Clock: 7:36:36
